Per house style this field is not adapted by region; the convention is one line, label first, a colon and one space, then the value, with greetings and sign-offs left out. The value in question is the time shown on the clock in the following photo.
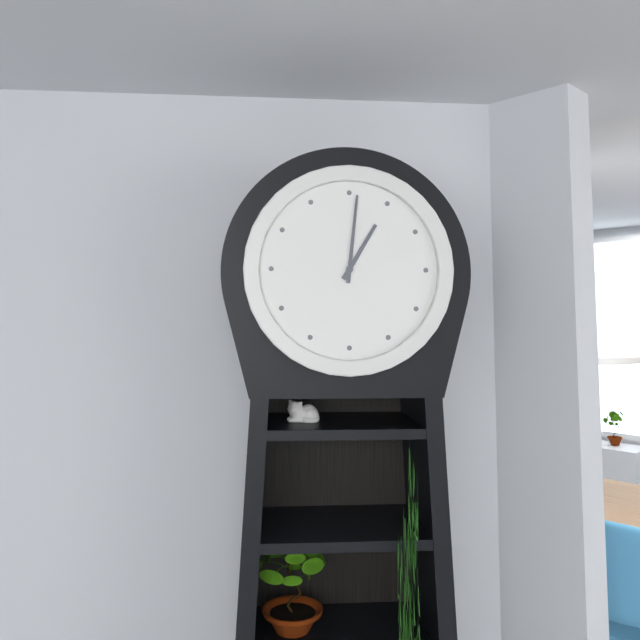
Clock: 1:01
